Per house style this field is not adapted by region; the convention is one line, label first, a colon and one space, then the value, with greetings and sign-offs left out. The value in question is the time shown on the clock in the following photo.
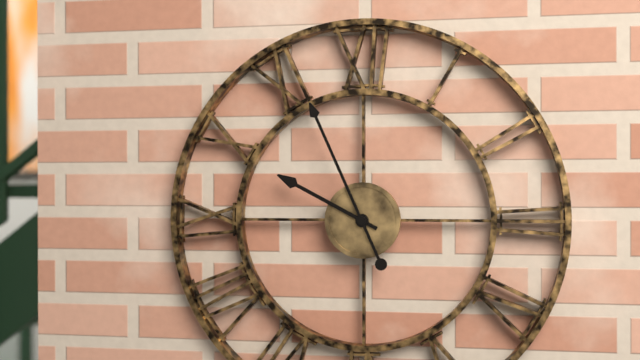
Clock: 9:56
